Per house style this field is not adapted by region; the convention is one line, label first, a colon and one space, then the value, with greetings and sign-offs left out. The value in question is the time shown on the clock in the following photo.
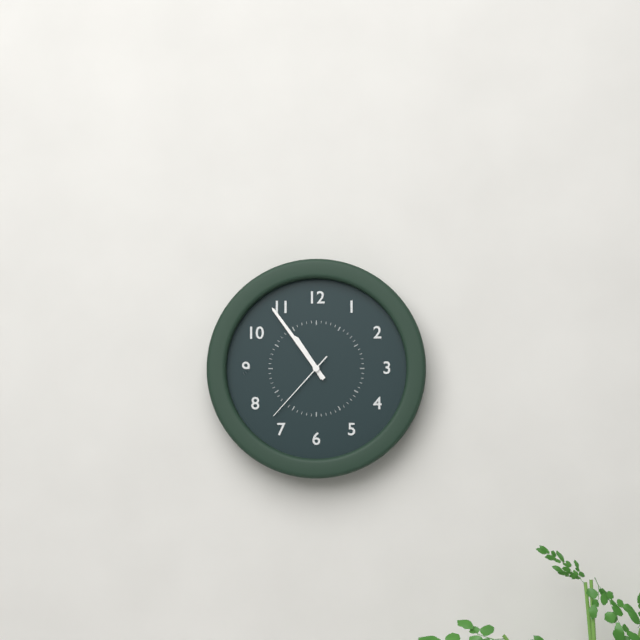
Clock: 10:54:37
